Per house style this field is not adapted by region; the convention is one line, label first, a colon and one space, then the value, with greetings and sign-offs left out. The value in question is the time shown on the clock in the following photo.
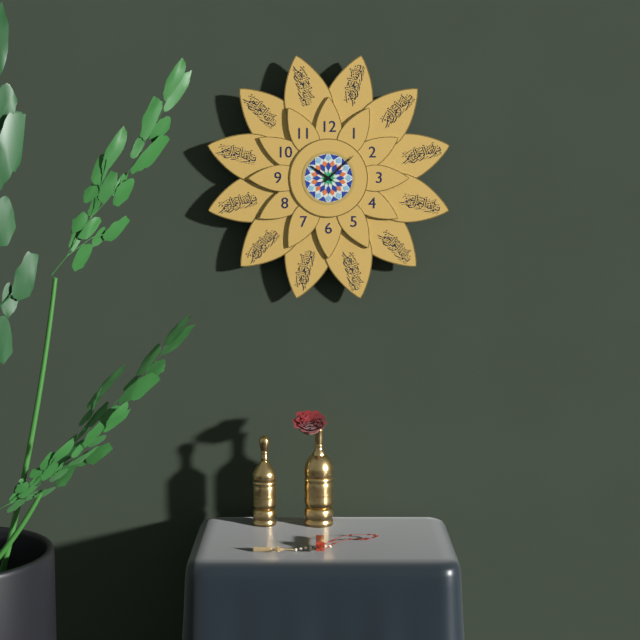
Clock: 10:08
